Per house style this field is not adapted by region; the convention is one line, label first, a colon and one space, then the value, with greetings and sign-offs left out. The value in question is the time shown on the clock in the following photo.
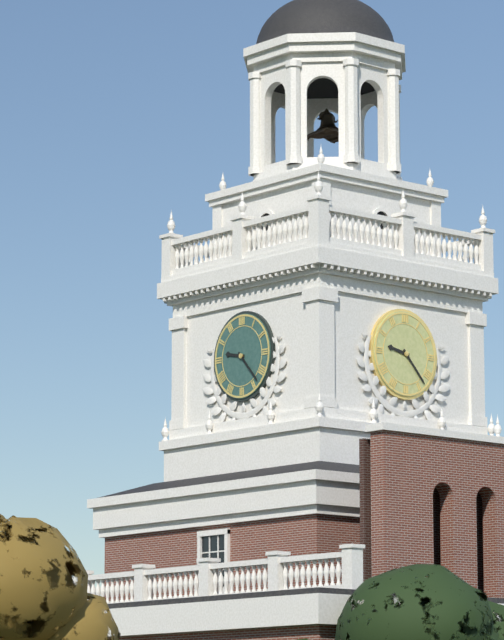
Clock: 9:23
